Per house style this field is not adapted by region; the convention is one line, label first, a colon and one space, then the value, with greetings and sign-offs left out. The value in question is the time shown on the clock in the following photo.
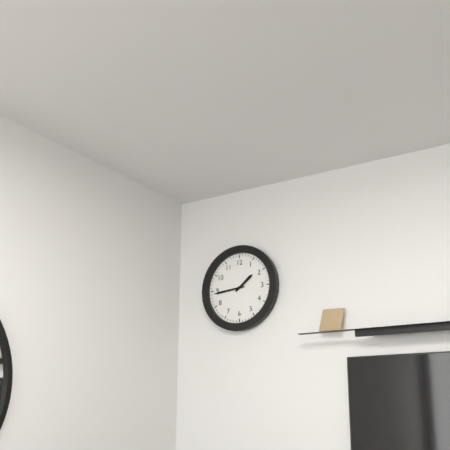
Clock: 1:44
